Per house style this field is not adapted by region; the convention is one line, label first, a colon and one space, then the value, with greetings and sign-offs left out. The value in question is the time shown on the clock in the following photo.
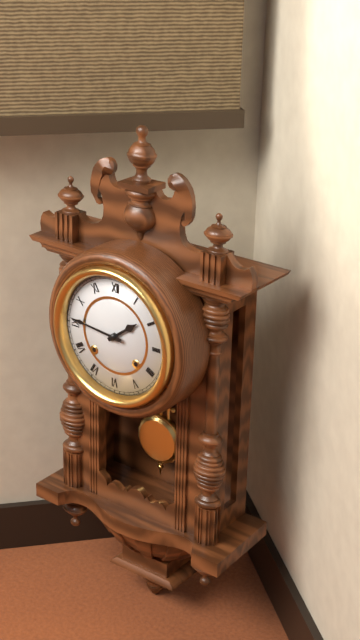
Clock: 1:46
